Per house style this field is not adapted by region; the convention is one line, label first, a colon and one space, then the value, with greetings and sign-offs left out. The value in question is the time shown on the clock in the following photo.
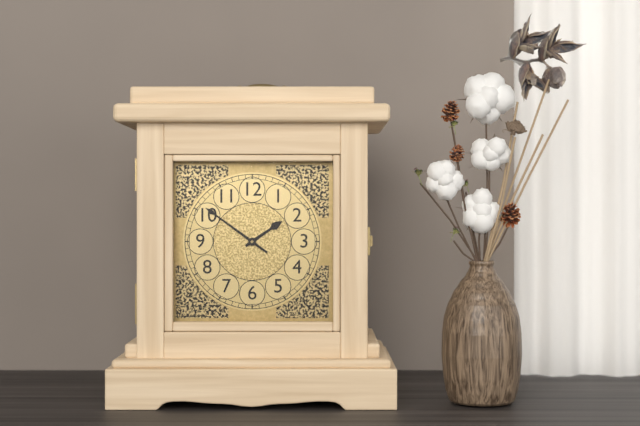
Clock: 1:51
